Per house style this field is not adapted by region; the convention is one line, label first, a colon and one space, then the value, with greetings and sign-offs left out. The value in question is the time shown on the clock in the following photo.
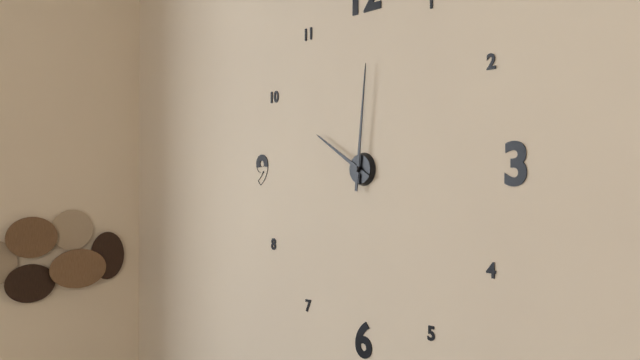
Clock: 10:01
